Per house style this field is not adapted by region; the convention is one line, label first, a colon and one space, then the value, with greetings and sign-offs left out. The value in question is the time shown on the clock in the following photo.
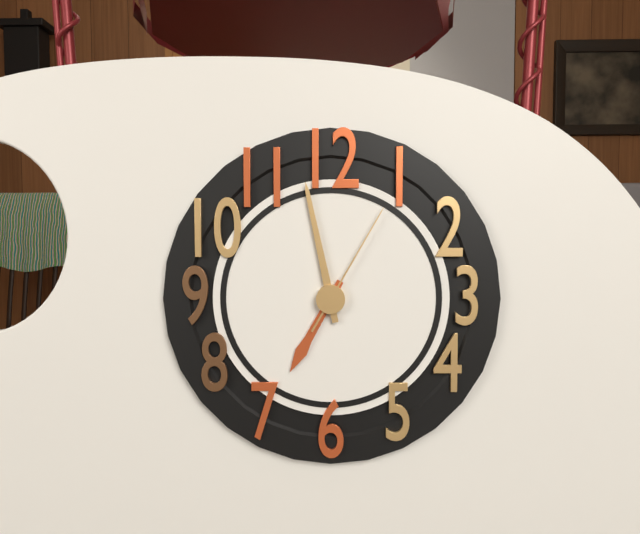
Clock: 6:58:05
